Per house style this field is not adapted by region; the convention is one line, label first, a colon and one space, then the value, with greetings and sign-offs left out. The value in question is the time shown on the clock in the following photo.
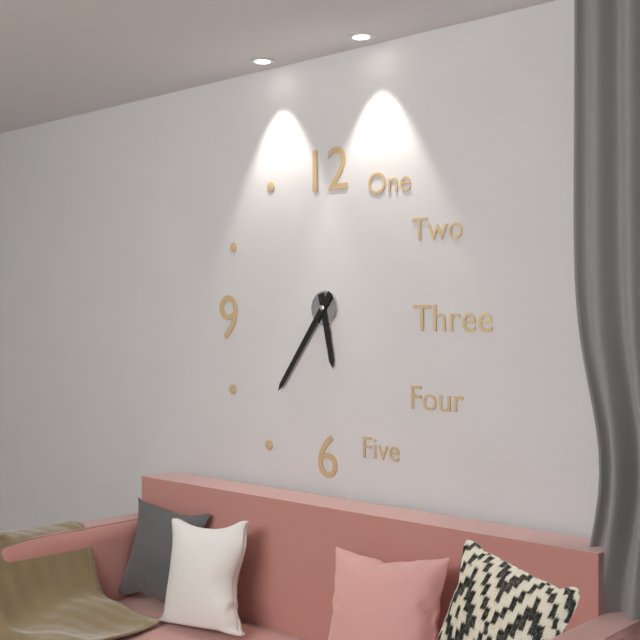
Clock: 5:36
